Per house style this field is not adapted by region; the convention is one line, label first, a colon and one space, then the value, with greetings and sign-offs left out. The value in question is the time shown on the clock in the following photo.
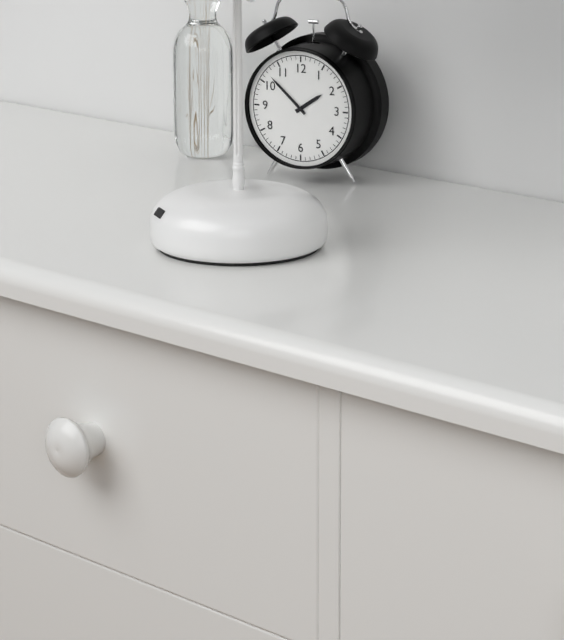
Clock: 1:52
